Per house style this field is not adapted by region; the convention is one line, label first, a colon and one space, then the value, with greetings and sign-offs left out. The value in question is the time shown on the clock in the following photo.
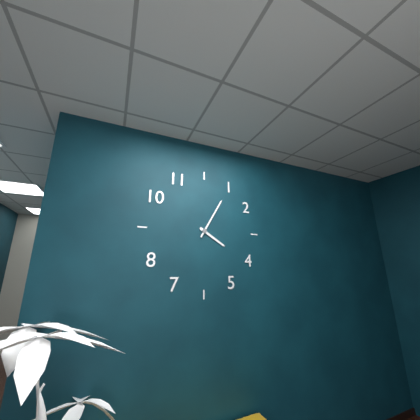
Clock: 4:05
